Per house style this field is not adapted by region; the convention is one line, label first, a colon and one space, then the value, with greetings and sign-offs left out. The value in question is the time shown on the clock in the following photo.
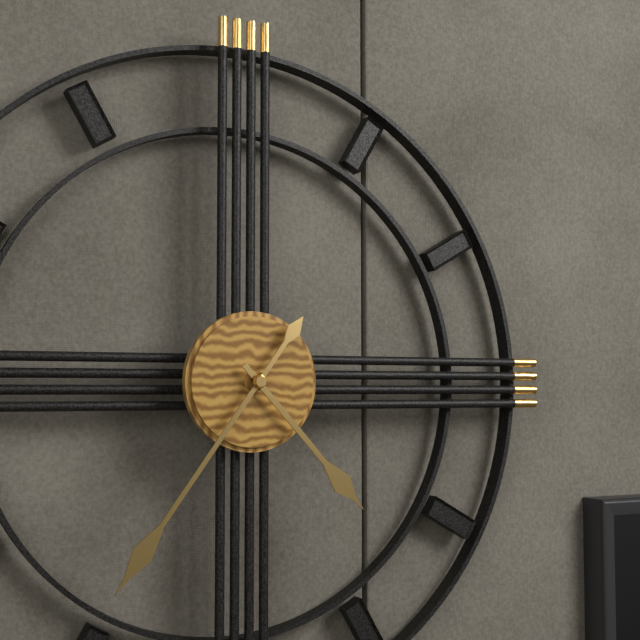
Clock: 4:36
